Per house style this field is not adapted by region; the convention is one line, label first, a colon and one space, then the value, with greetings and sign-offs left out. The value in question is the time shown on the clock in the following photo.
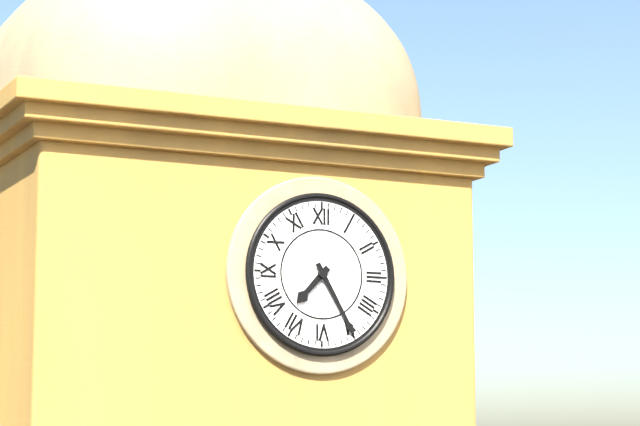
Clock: 7:25
